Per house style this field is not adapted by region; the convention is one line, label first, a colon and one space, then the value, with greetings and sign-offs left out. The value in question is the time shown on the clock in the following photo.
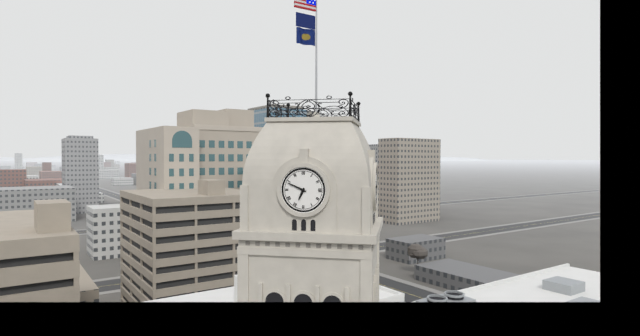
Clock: 6:49
